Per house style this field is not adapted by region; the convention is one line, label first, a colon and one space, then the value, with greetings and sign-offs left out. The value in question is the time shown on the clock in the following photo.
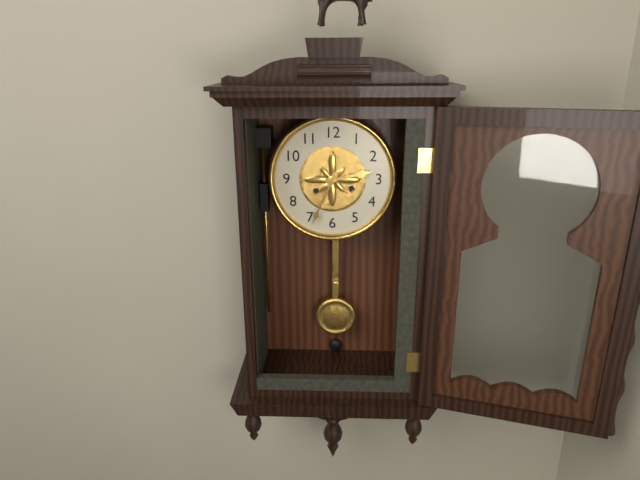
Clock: 2:34
